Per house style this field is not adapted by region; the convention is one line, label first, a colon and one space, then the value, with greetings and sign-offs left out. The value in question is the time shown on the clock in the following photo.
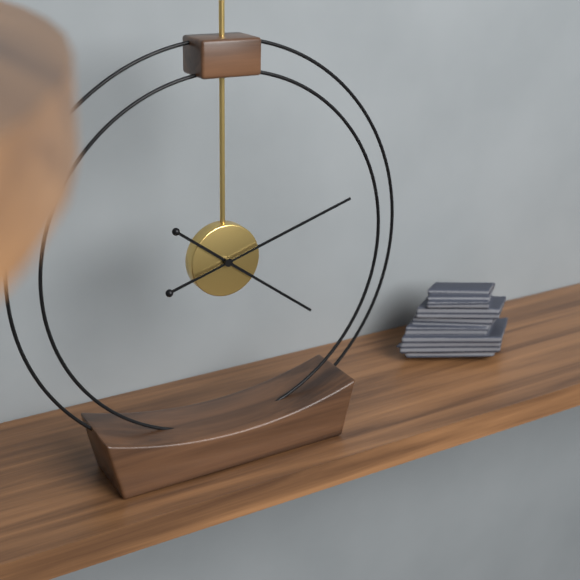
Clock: 4:12
